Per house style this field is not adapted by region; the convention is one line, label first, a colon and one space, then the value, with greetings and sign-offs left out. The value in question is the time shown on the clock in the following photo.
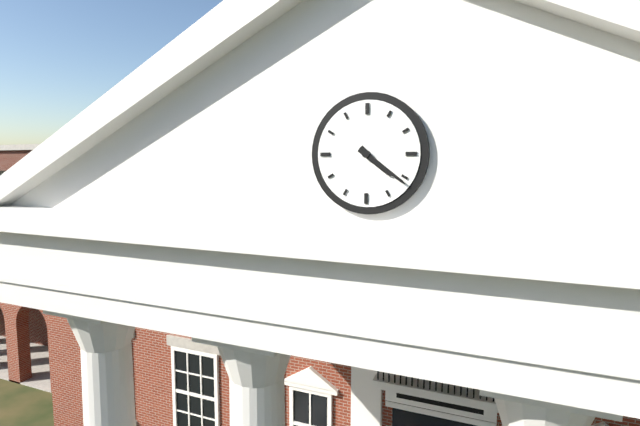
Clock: 4:21
